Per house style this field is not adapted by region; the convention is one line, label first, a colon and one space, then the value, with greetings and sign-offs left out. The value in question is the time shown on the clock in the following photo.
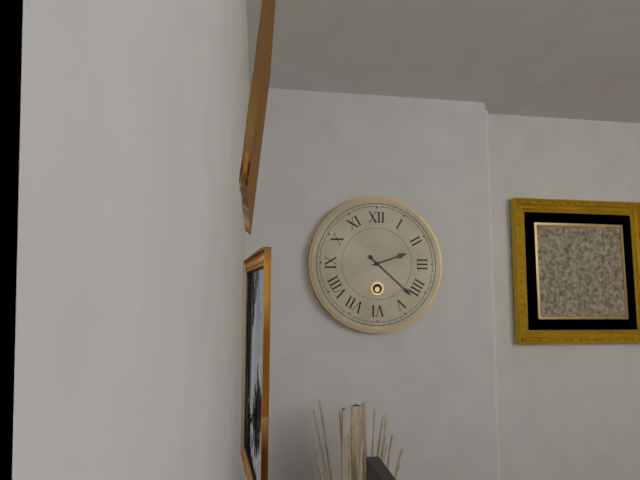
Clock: 2:22
